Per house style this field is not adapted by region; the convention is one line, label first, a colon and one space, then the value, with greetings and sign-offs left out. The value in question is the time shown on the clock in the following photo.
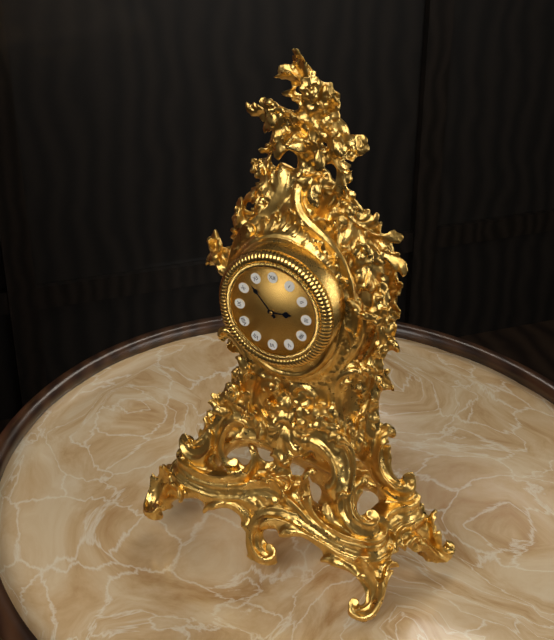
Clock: 2:53
